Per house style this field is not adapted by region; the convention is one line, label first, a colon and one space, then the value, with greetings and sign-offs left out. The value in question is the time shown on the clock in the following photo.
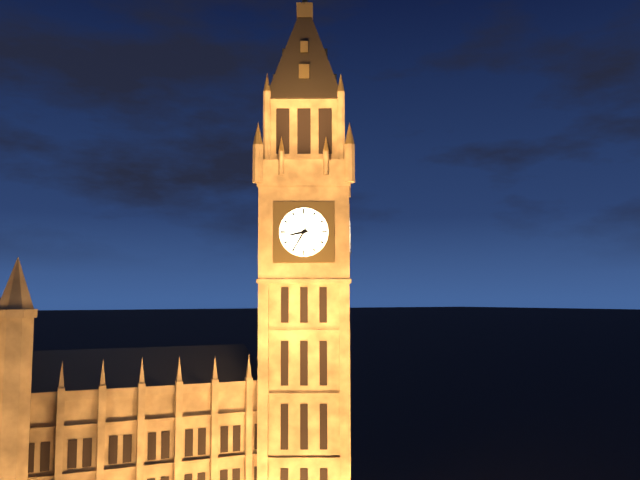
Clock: 8:35
